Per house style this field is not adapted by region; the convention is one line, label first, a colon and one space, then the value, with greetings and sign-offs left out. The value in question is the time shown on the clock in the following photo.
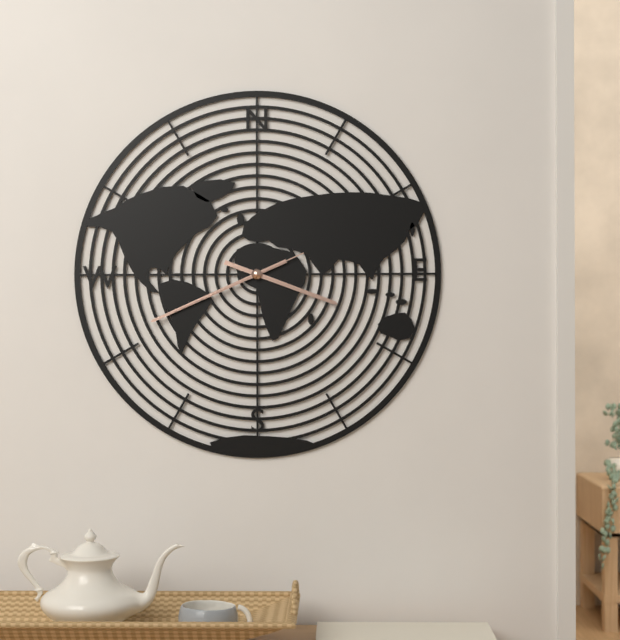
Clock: 3:41:41
